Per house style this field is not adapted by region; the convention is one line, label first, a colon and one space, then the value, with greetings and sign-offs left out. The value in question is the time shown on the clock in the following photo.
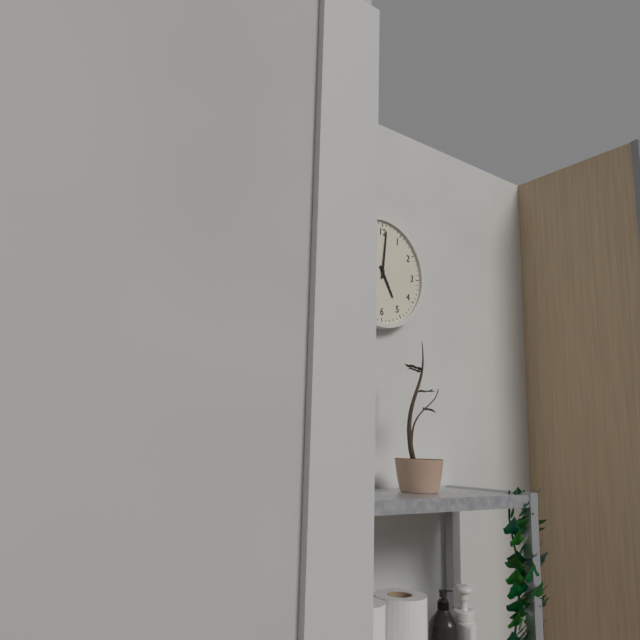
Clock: 5:01
